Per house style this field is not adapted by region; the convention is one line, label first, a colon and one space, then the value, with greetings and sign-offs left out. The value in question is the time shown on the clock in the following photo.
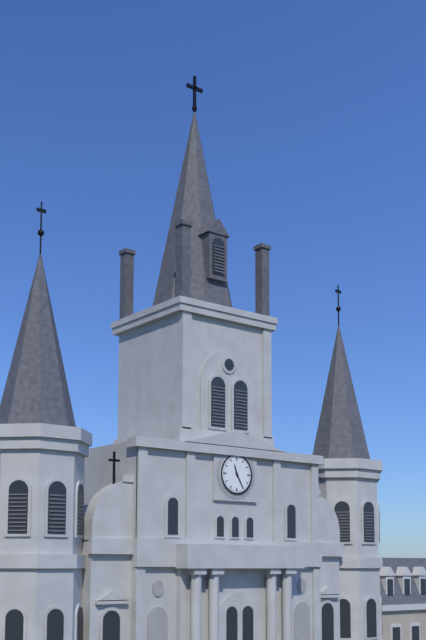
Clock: 11:25
